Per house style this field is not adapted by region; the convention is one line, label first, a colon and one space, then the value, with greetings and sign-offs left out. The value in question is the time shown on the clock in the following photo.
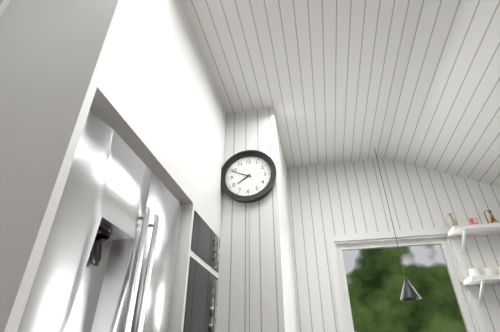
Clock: 7:49
